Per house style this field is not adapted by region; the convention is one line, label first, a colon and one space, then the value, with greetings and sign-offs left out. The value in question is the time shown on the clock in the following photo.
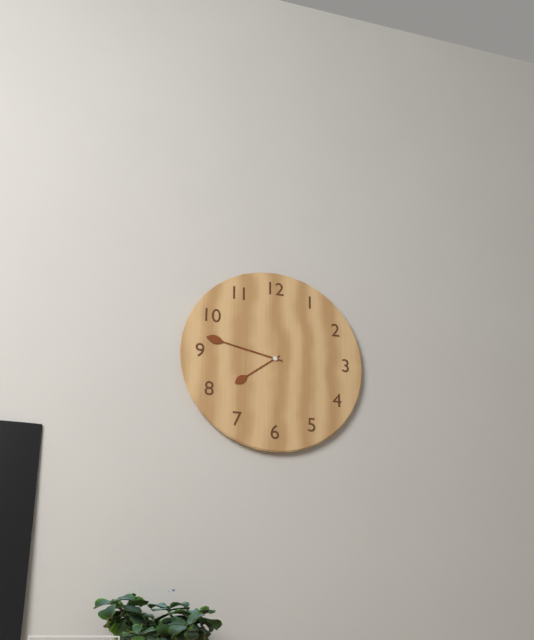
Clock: 7:47
